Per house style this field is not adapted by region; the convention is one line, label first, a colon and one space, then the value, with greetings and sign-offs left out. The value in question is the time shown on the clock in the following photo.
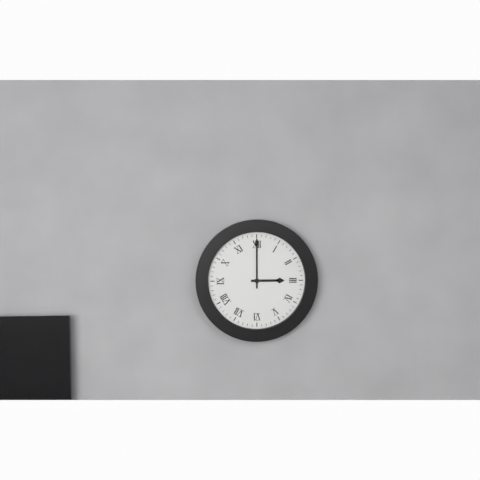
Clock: 3:00
